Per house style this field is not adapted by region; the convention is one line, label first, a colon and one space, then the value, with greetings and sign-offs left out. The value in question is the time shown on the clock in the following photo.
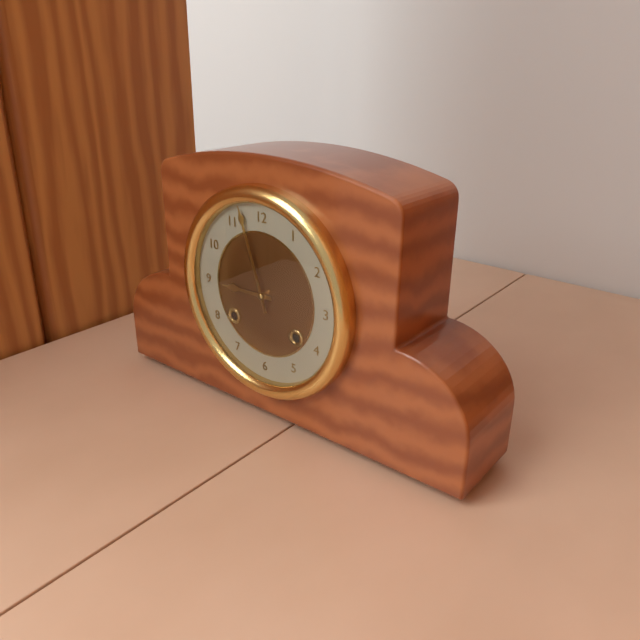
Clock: 8:57
